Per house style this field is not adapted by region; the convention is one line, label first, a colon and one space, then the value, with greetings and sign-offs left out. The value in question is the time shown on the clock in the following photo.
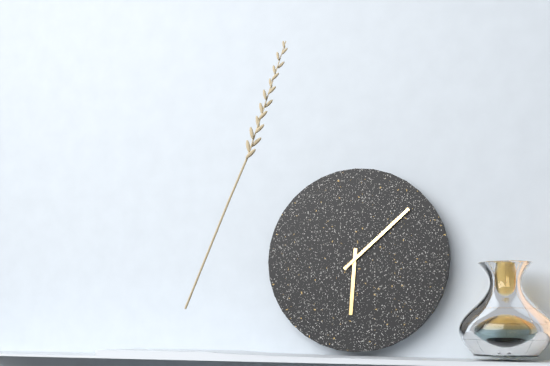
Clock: 6:08
